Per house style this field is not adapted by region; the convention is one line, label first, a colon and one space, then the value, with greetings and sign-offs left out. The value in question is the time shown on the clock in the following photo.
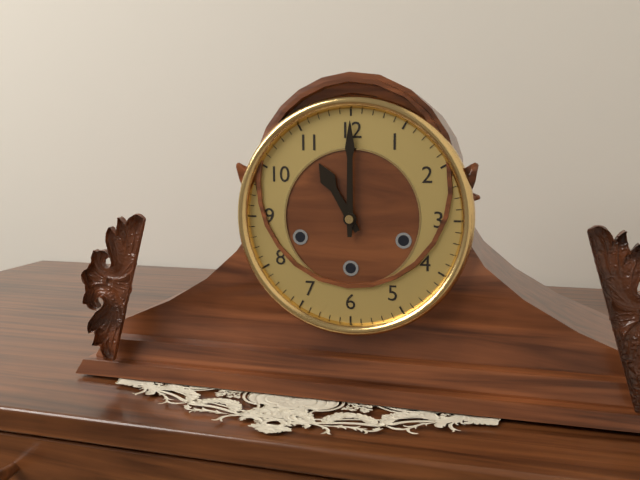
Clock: 11:00
